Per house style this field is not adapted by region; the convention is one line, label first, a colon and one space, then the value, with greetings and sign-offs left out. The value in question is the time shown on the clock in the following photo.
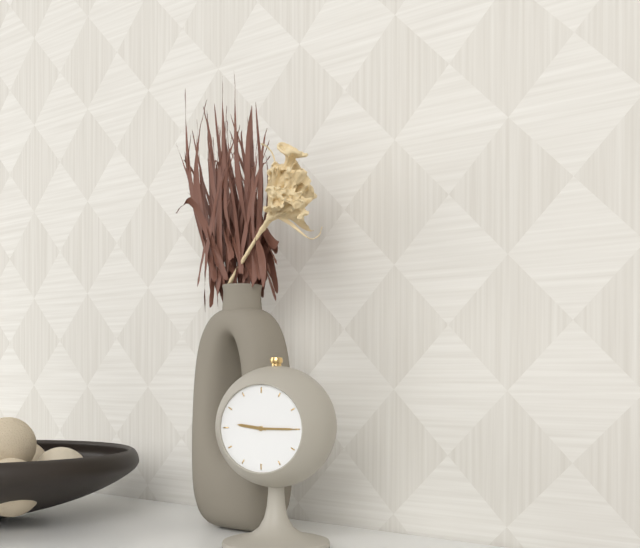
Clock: 9:15
